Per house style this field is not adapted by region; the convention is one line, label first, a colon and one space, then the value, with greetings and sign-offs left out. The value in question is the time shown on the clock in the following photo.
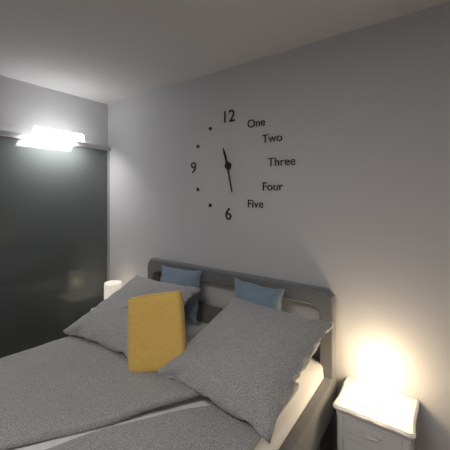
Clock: 11:28
